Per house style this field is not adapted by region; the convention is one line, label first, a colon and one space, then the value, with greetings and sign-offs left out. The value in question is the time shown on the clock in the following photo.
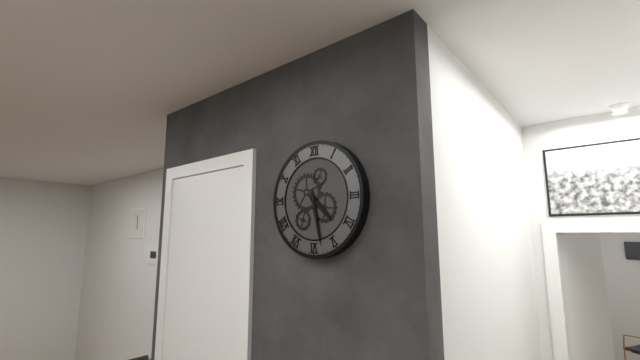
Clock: 4:28
